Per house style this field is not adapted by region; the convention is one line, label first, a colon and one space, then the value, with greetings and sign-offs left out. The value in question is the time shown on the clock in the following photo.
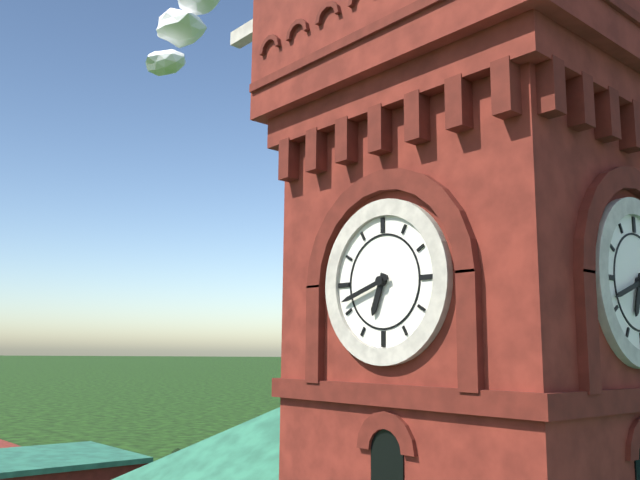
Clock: 6:42
